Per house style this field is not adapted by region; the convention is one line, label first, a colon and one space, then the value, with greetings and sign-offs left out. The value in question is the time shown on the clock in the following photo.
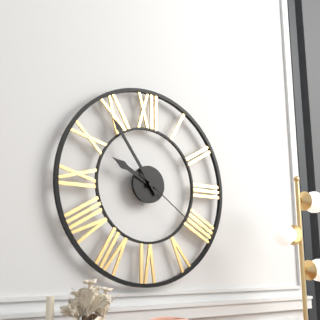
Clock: 9:54:21
